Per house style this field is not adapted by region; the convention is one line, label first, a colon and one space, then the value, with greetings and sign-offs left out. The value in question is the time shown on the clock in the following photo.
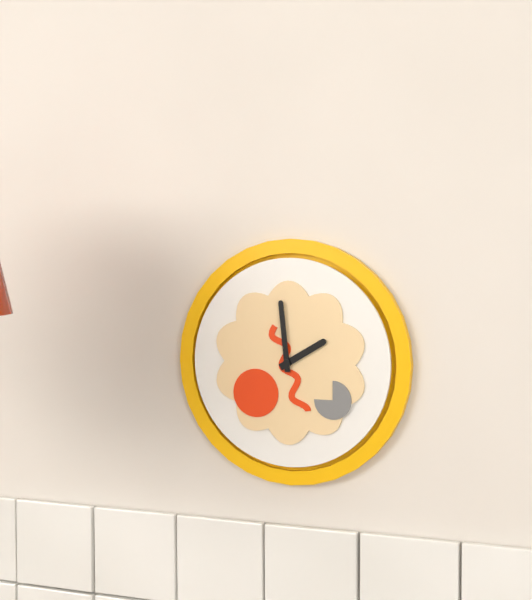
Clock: 1:59
